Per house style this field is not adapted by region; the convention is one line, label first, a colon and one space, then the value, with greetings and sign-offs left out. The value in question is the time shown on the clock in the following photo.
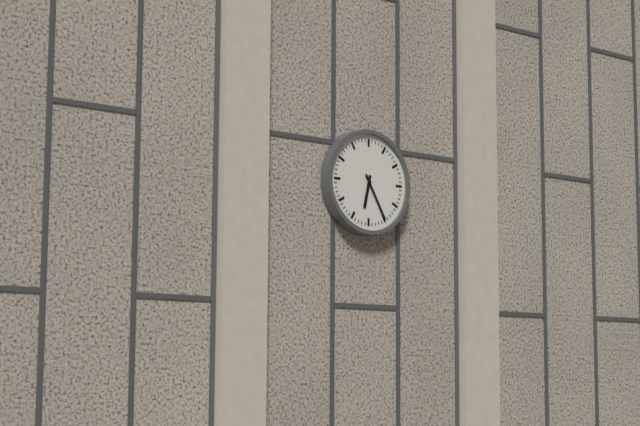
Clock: 6:25
